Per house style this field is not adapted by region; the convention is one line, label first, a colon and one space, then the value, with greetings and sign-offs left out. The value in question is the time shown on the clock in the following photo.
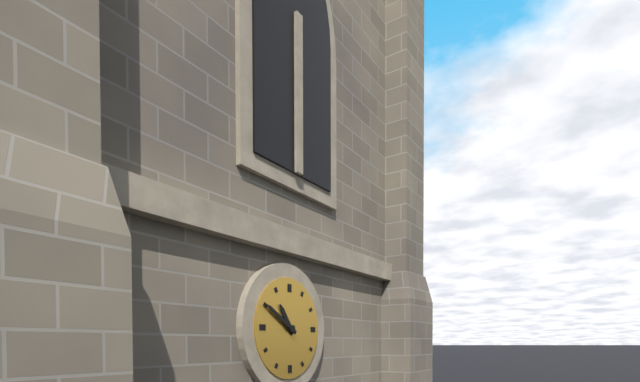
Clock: 10:50
